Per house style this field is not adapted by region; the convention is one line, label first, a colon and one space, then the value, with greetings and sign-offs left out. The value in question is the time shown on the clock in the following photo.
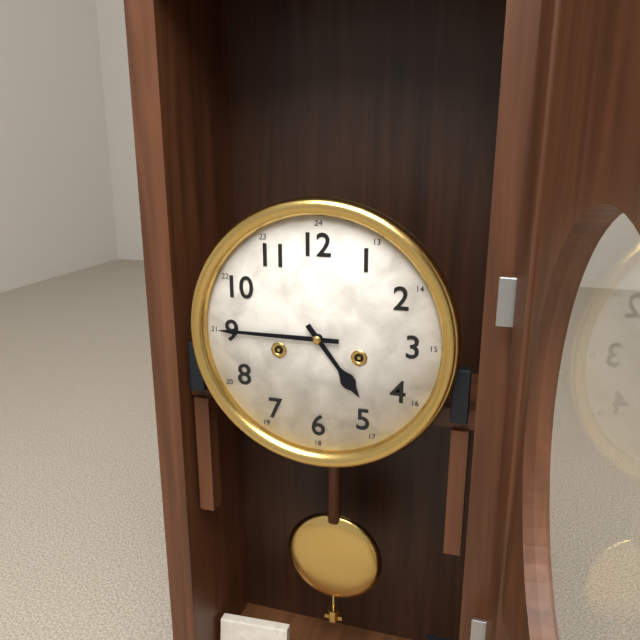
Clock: 4:45
